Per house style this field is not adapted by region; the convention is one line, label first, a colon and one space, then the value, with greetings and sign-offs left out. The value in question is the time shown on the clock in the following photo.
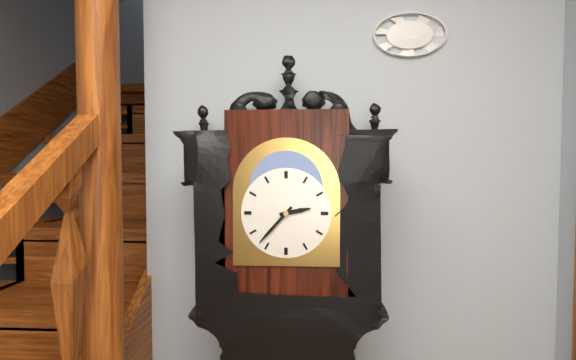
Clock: 2:37
